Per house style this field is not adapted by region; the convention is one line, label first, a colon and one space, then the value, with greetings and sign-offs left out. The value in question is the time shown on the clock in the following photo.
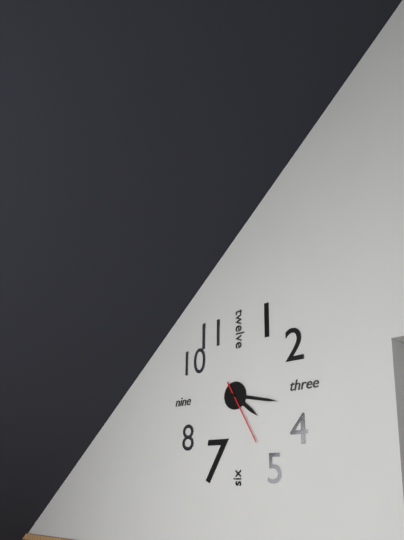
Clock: 4:17:25
